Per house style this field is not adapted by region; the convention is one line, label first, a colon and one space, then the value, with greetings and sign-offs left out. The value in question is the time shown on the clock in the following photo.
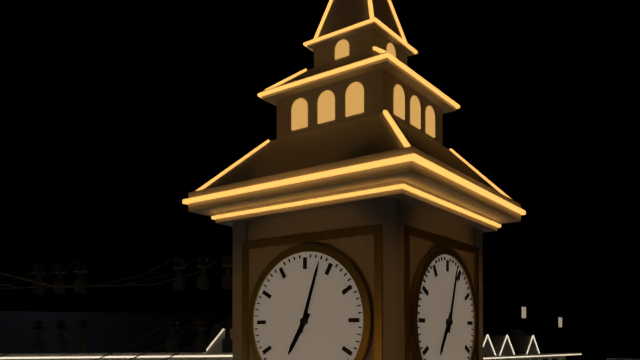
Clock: 7:03
